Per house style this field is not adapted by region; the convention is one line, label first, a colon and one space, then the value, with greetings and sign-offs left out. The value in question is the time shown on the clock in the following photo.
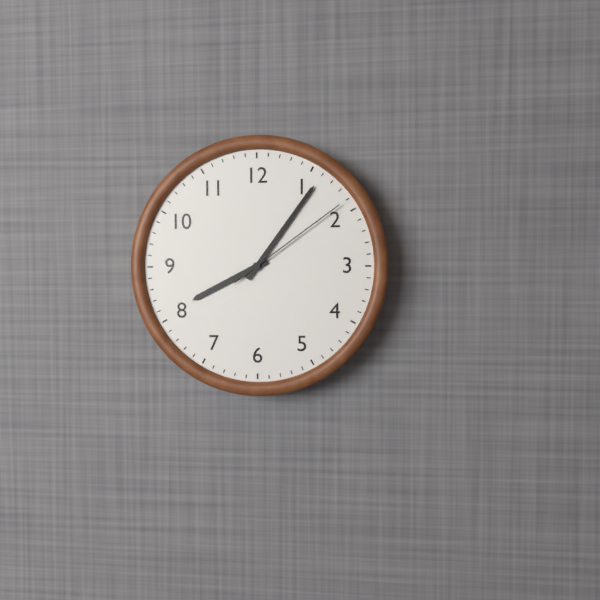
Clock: 8:06:09
